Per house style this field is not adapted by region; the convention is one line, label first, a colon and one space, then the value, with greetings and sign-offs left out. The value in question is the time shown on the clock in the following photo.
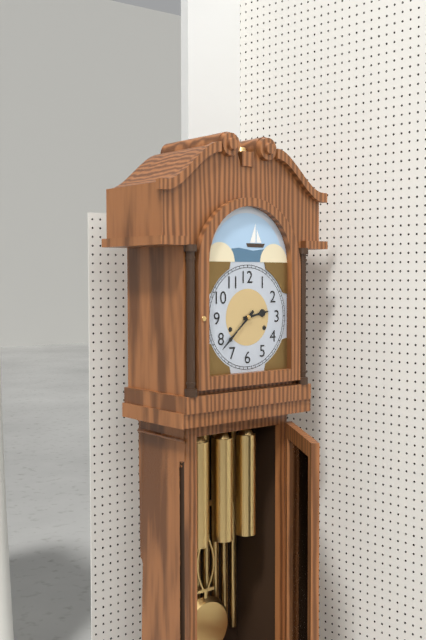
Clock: 2:38
